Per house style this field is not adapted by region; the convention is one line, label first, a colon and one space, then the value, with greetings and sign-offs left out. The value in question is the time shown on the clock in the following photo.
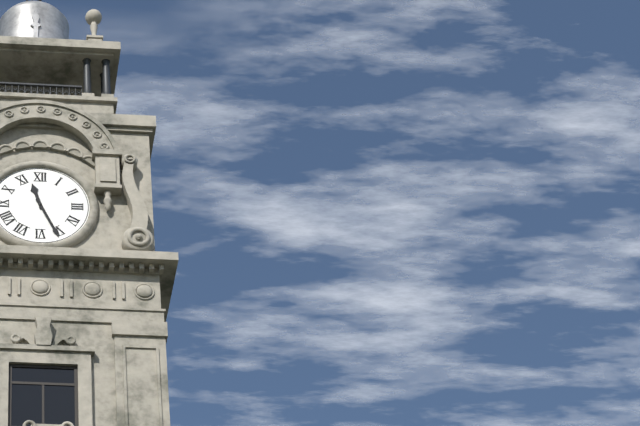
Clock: 11:26
